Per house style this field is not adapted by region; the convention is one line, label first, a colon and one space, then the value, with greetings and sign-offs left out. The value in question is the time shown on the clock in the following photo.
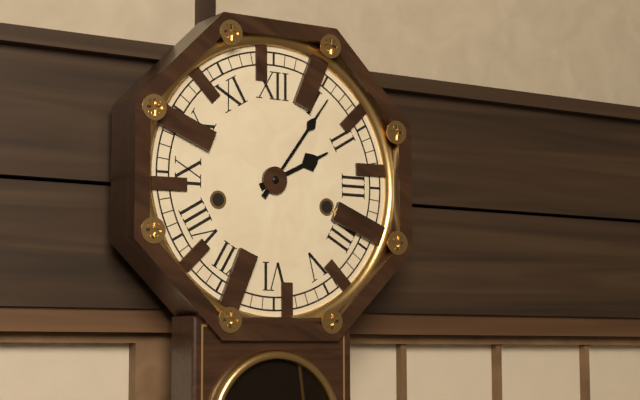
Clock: 2:06
